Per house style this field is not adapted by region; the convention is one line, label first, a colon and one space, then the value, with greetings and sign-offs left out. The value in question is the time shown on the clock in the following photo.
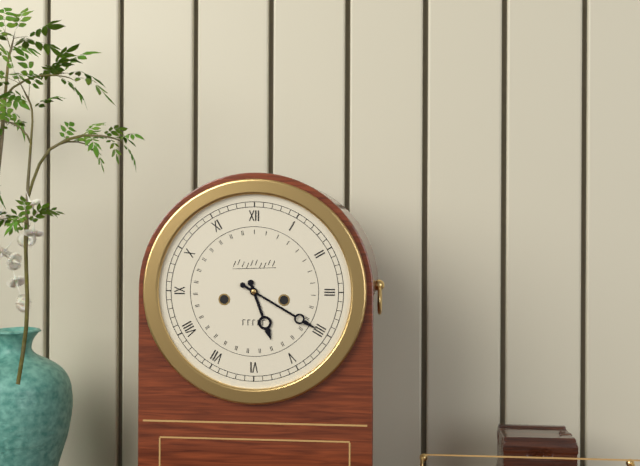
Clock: 5:20
